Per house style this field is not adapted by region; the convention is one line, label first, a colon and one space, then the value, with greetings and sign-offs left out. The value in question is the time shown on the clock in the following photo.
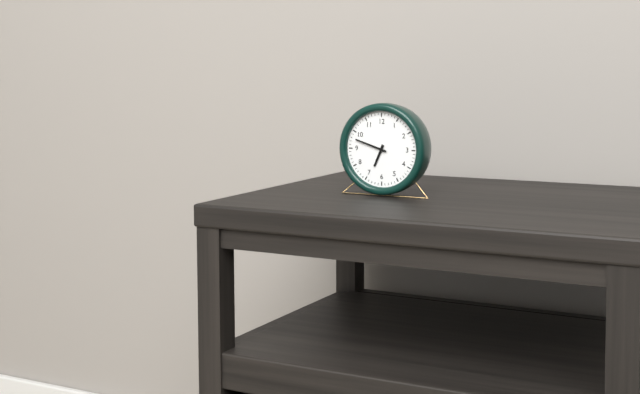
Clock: 6:48
